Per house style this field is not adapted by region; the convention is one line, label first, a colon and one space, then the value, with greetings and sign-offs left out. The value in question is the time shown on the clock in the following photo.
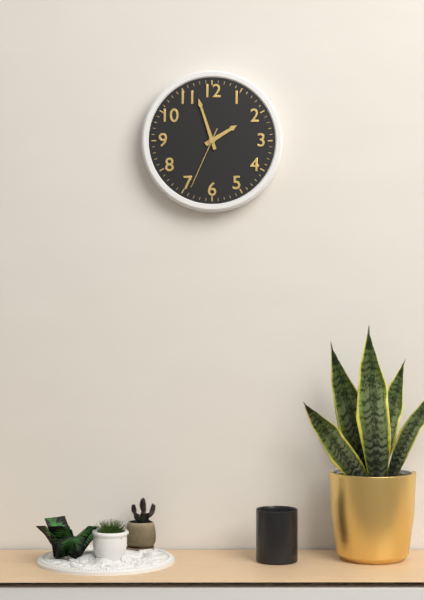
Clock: 1:57:34
